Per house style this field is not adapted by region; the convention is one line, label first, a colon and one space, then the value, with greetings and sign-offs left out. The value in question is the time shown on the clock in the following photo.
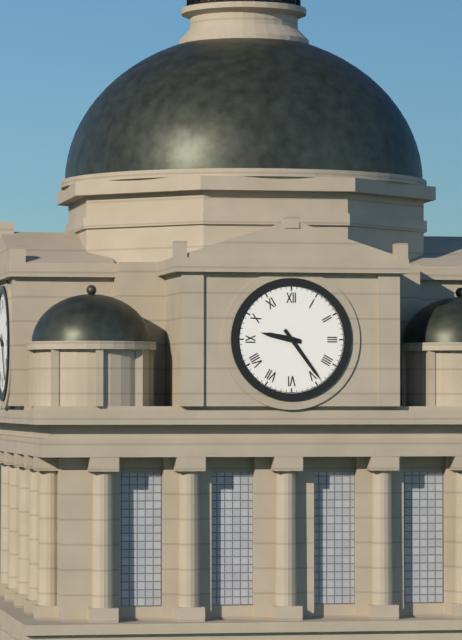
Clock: 9:24
